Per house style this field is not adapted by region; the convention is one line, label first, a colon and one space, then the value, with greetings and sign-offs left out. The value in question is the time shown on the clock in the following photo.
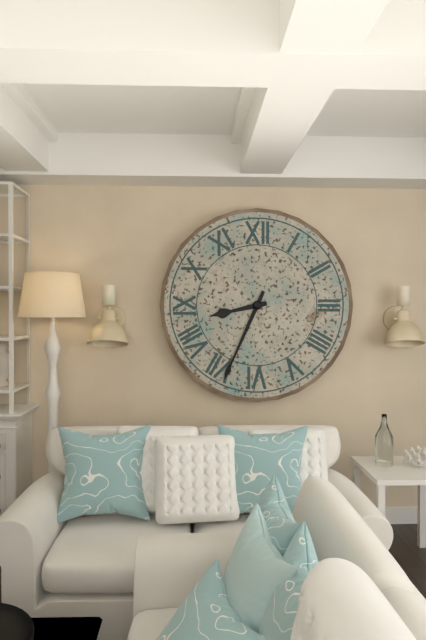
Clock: 8:34
